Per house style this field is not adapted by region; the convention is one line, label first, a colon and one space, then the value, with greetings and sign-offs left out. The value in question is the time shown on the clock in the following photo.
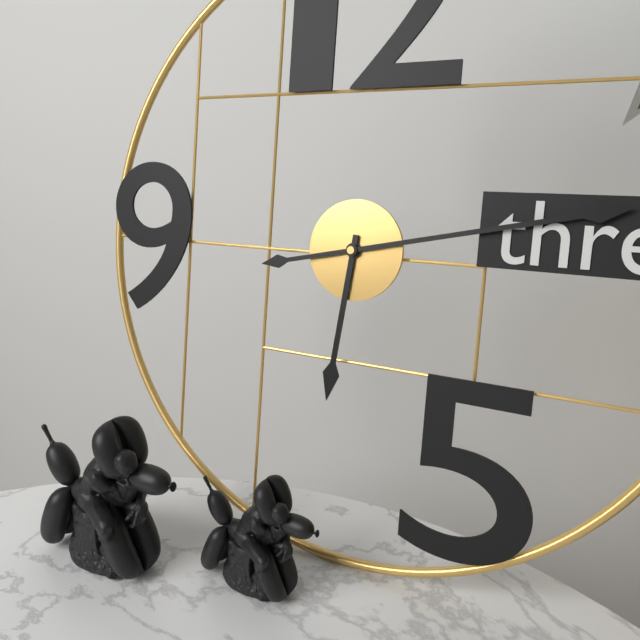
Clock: 6:13
